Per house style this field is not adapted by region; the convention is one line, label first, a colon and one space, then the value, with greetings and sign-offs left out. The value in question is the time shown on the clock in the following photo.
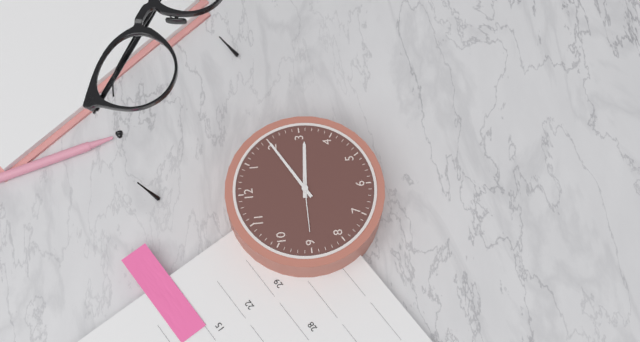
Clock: 3:10
